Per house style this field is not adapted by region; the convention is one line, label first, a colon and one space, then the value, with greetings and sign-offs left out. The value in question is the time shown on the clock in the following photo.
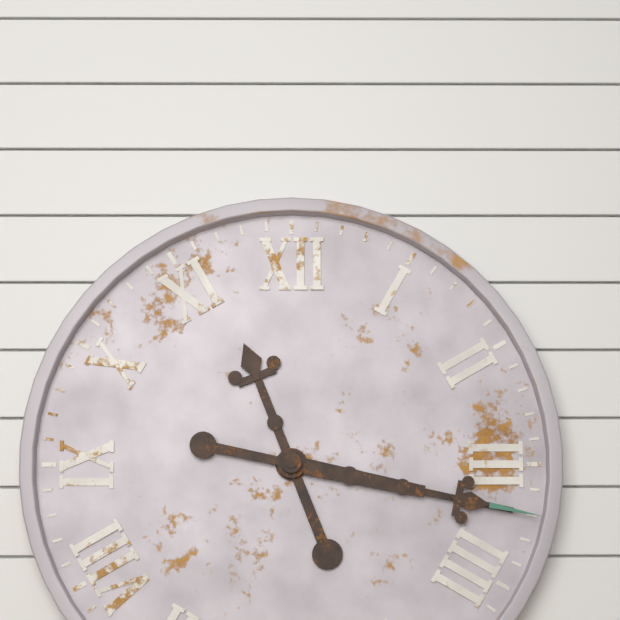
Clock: 11:17
